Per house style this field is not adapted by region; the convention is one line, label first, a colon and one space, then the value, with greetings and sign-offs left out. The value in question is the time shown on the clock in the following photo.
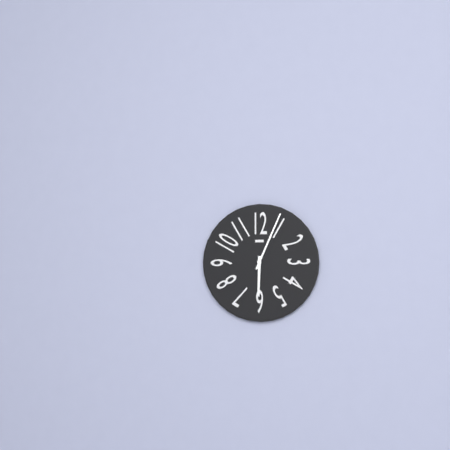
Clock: 6:04
